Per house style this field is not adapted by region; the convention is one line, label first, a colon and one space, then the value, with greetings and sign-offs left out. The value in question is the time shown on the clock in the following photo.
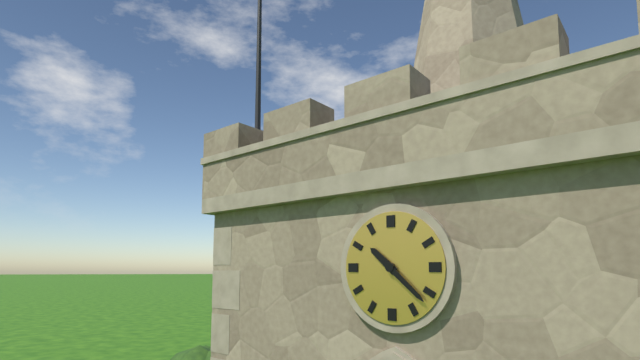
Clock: 10:22
